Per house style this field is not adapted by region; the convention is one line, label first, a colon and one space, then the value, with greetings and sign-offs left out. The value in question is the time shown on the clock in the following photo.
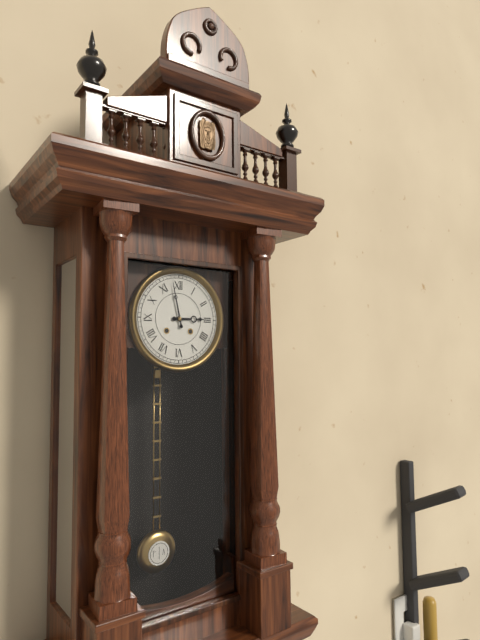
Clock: 2:58
